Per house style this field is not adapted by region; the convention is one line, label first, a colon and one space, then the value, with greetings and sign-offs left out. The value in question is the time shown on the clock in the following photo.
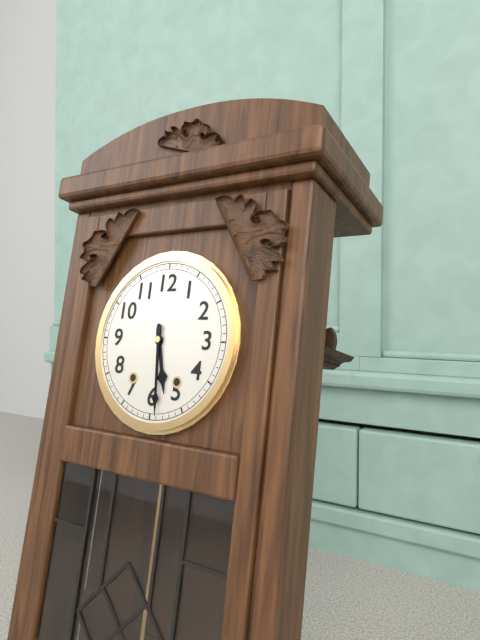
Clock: 5:29
